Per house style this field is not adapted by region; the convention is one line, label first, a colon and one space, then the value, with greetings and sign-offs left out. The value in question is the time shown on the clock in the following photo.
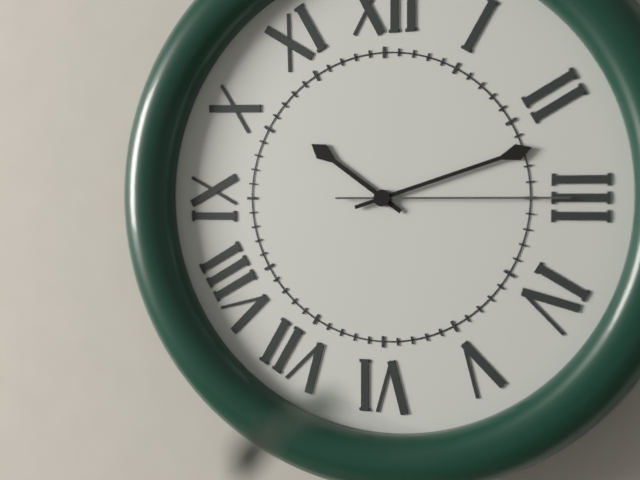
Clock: 10:12:15
